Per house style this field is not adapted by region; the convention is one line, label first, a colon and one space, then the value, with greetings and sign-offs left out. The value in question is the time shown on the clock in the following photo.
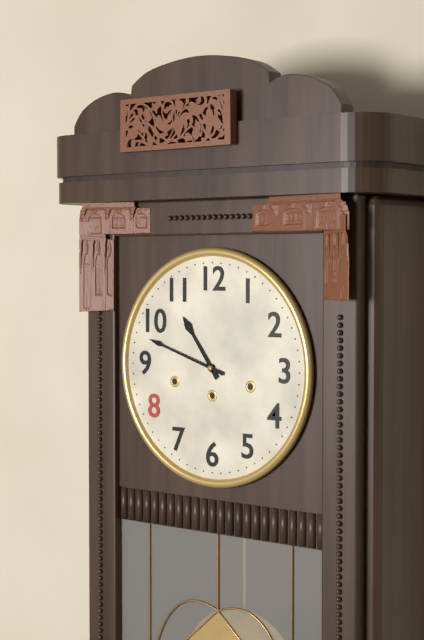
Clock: 10:48
